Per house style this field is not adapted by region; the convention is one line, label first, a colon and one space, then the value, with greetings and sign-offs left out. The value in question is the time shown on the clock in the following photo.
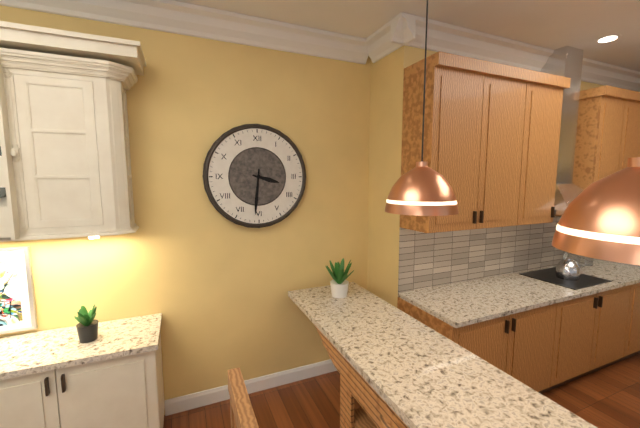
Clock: 3:31
